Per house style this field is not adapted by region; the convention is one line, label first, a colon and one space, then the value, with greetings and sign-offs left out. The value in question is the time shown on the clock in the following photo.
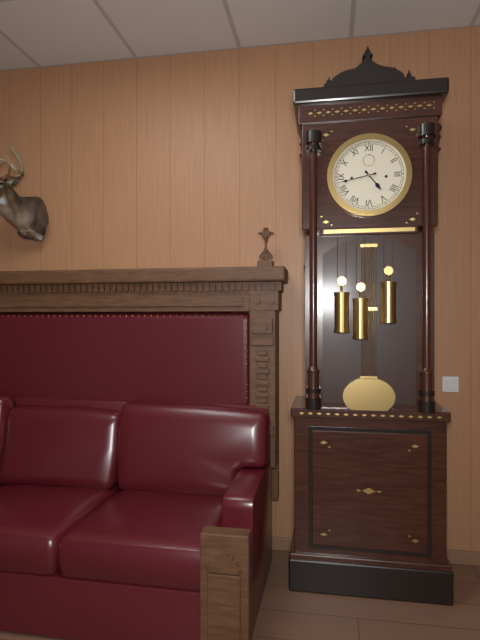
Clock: 4:43
